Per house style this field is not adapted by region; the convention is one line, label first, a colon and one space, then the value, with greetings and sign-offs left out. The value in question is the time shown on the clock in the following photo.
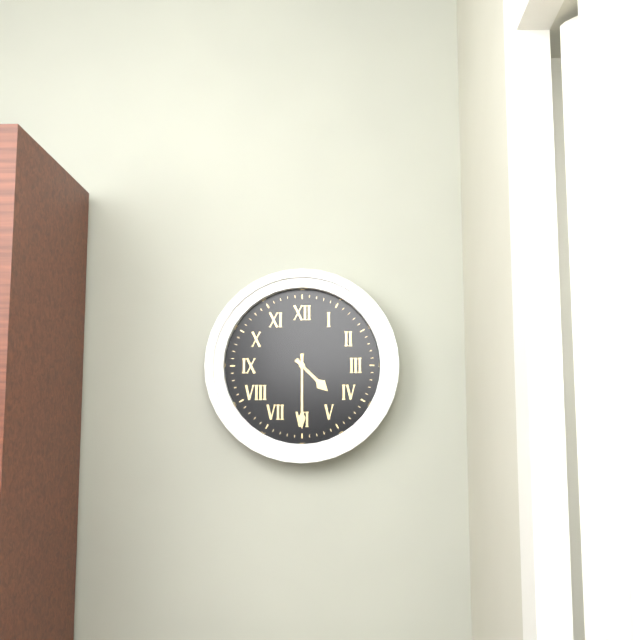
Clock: 4:30
